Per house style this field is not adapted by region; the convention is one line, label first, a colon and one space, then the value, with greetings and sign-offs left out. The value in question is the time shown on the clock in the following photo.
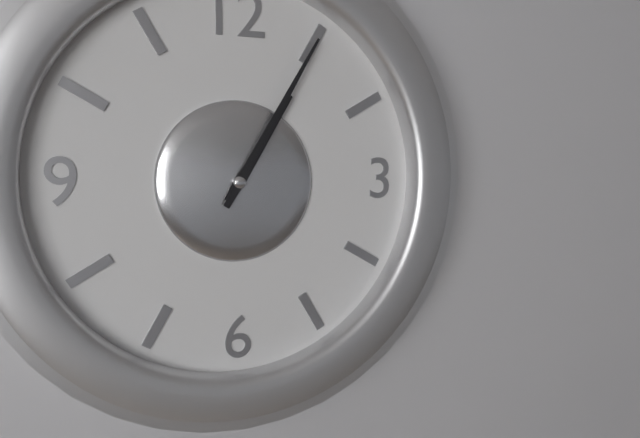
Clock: 1:05
